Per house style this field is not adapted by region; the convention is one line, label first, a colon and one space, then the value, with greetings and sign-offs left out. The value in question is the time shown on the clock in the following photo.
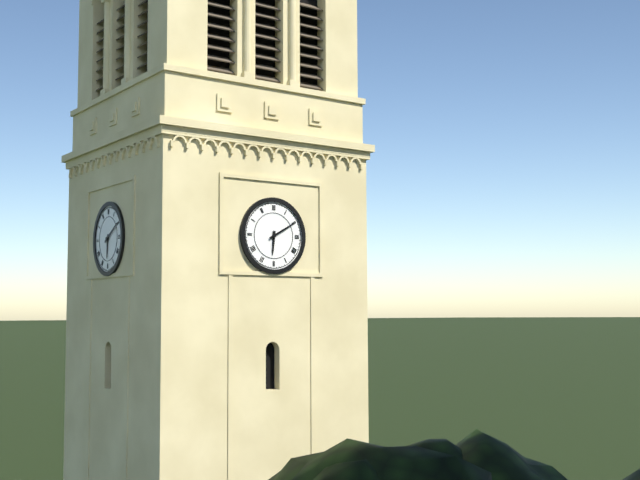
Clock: 6:10
